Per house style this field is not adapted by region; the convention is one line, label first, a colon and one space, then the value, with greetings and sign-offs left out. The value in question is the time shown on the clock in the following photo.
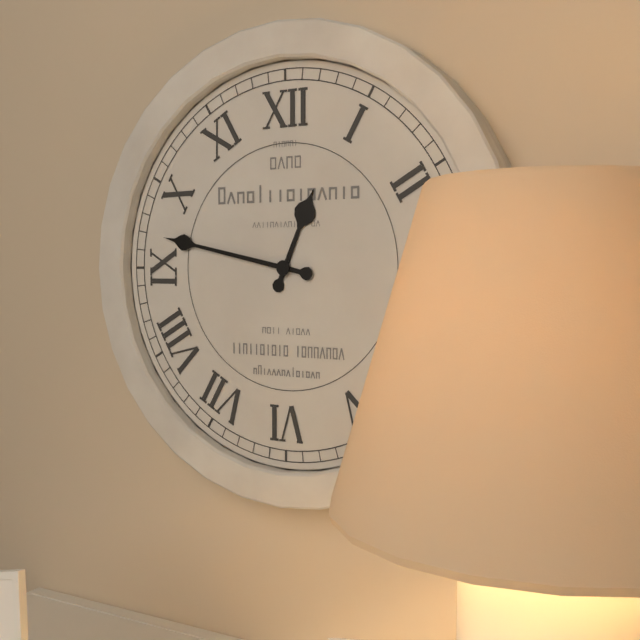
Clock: 12:47
